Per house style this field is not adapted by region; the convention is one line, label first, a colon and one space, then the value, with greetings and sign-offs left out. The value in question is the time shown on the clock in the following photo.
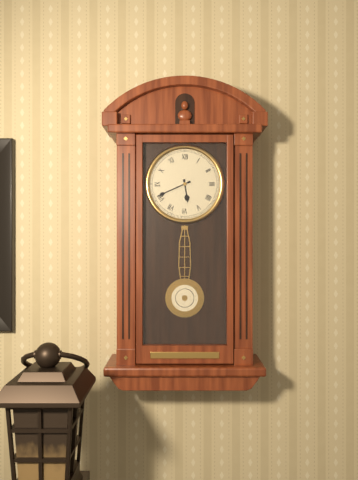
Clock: 5:41
